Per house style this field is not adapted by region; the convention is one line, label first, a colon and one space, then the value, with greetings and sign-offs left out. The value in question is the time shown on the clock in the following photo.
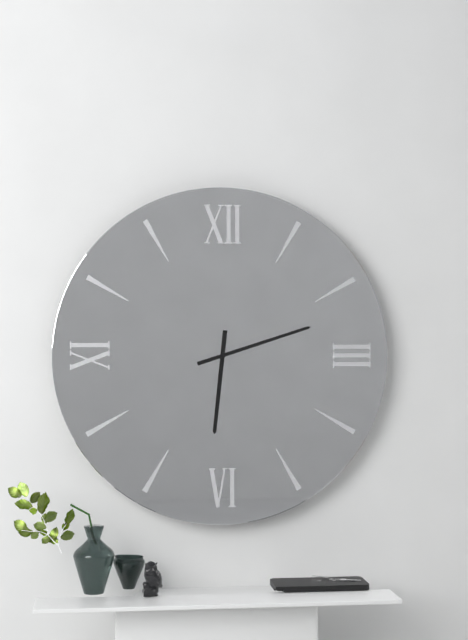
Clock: 6:12
